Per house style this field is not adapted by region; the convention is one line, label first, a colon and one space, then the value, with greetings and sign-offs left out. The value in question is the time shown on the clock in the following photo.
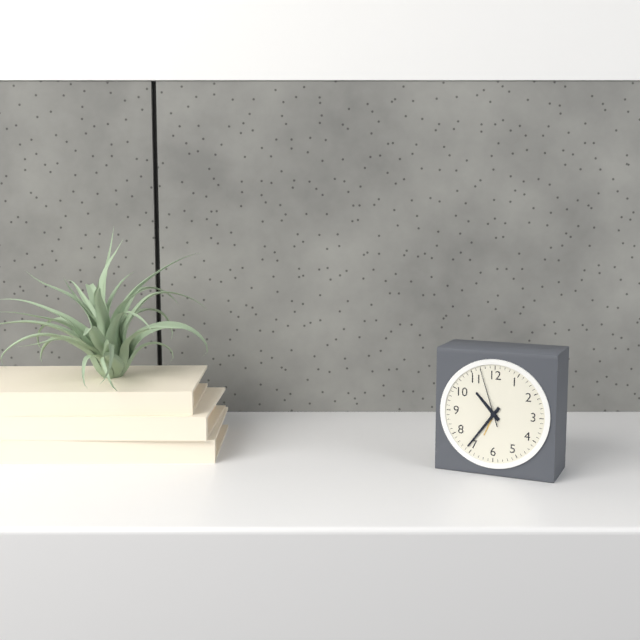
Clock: 10:36:57
